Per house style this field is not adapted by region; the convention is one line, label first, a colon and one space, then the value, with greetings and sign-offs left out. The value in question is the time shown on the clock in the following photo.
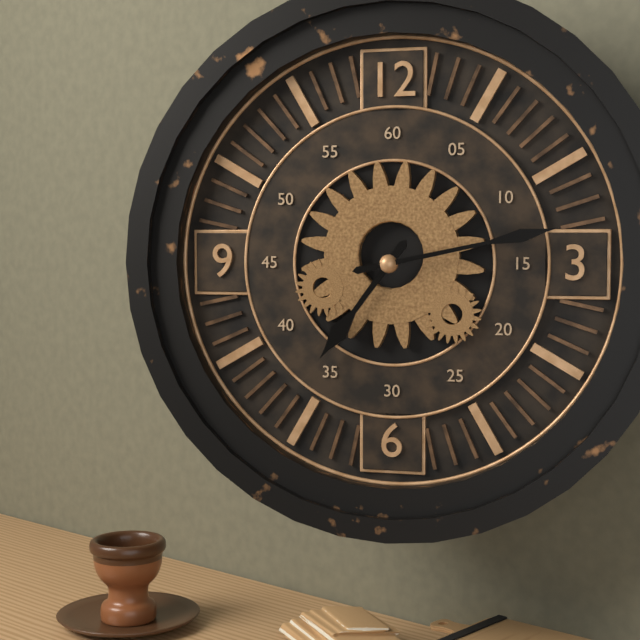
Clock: 7:13
